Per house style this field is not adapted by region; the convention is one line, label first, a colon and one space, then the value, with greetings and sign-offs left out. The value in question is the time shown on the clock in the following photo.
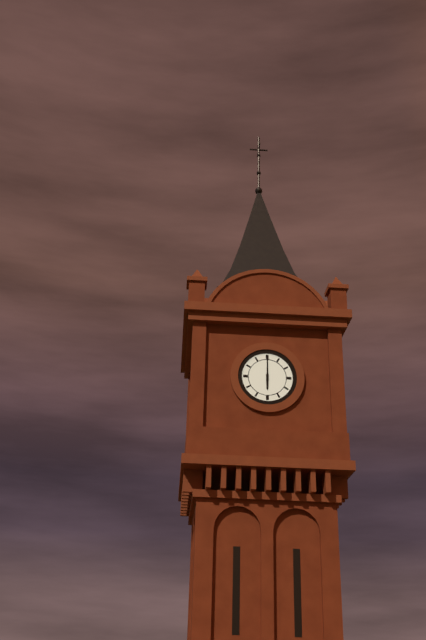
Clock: 6:00
